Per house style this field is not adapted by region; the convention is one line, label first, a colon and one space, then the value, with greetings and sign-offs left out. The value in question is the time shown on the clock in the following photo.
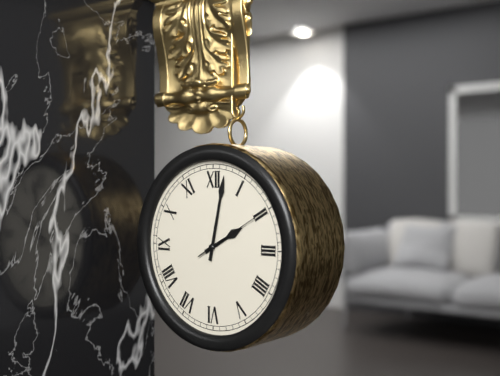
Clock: 2:02:10
